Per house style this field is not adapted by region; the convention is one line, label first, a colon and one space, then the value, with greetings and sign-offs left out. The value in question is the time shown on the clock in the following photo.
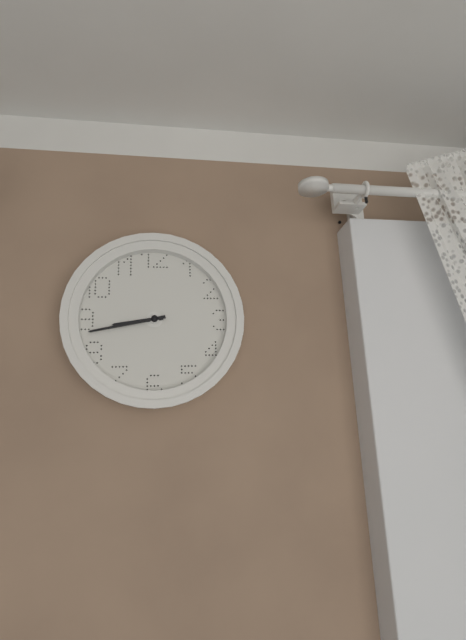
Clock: 8:43
